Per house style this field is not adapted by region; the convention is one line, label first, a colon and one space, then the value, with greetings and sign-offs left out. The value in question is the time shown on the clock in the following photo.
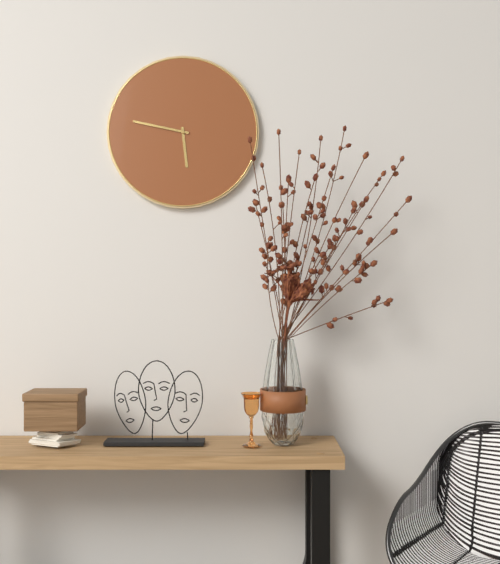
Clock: 5:47
